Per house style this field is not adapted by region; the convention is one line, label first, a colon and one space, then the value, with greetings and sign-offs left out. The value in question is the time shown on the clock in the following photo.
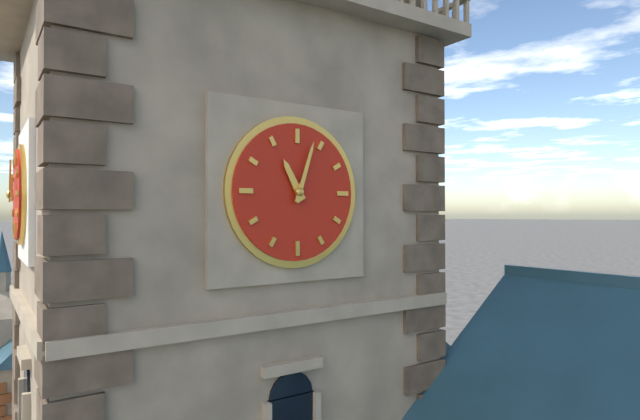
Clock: 11:03
